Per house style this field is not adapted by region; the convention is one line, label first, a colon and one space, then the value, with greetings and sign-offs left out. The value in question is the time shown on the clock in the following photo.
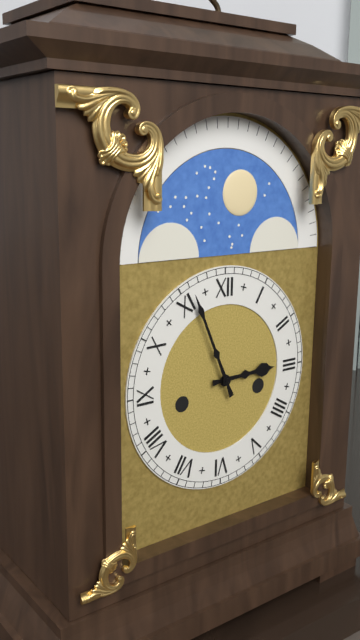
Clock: 2:56
